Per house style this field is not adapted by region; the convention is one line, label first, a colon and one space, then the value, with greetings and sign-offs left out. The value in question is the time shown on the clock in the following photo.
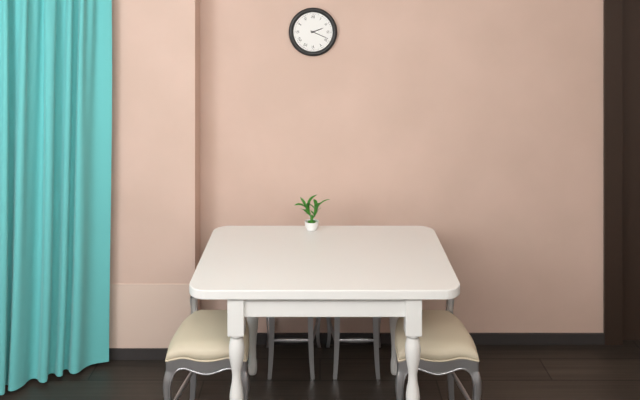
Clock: 2:19
